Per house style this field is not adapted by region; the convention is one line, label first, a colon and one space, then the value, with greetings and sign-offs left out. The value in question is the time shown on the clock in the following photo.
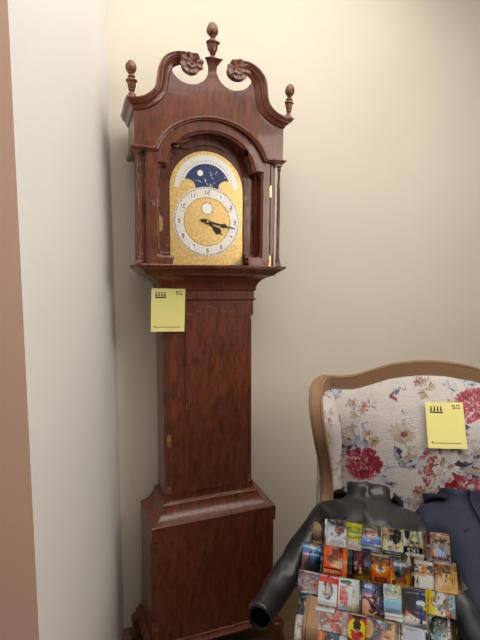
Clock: 4:17
